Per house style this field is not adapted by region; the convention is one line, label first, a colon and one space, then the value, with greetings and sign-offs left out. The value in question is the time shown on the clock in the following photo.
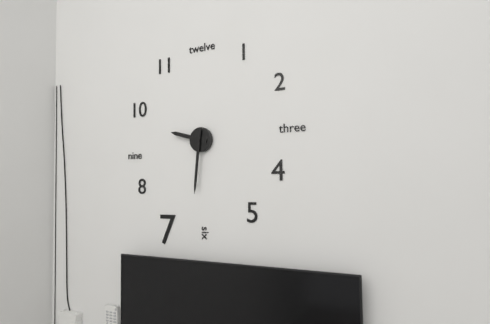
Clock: 9:31
